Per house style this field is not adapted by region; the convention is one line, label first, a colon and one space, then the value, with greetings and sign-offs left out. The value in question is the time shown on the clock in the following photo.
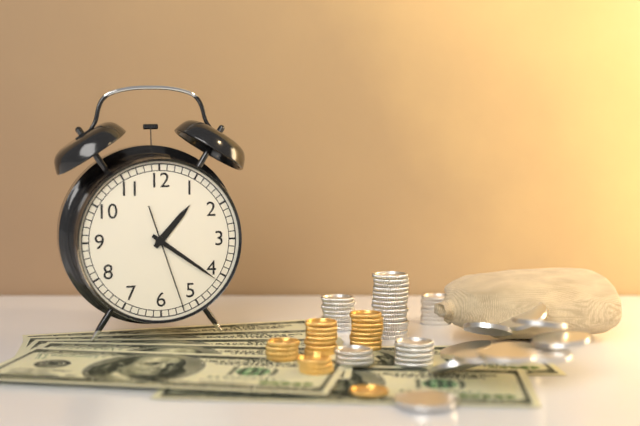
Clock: 1:21:27
